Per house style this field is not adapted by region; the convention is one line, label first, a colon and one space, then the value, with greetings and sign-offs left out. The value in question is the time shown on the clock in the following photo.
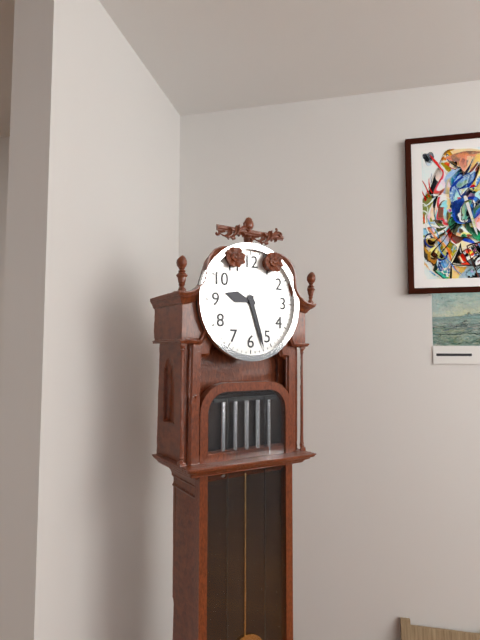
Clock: 9:27
